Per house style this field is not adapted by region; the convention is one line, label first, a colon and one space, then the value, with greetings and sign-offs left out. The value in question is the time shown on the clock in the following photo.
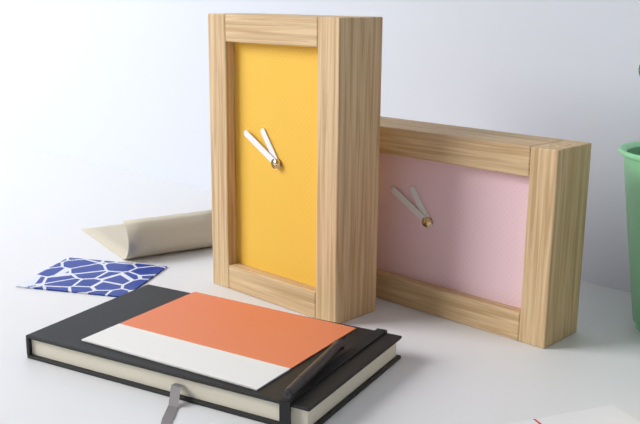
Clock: 10:50
